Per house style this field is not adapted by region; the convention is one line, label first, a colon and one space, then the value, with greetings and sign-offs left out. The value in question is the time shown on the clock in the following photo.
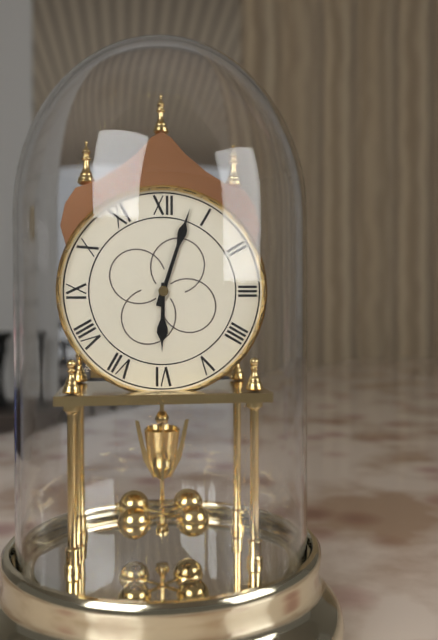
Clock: 6:03
